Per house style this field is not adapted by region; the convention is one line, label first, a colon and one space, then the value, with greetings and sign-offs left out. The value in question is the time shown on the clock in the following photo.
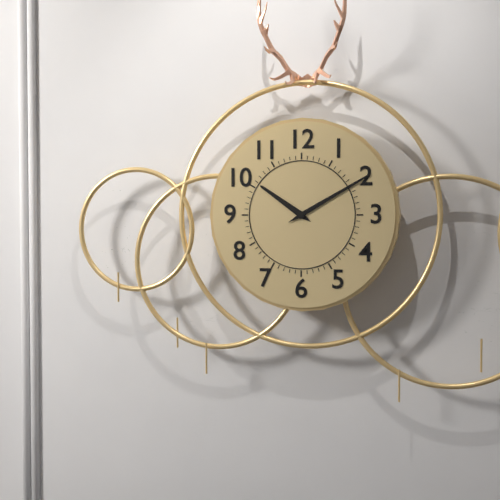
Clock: 10:10
